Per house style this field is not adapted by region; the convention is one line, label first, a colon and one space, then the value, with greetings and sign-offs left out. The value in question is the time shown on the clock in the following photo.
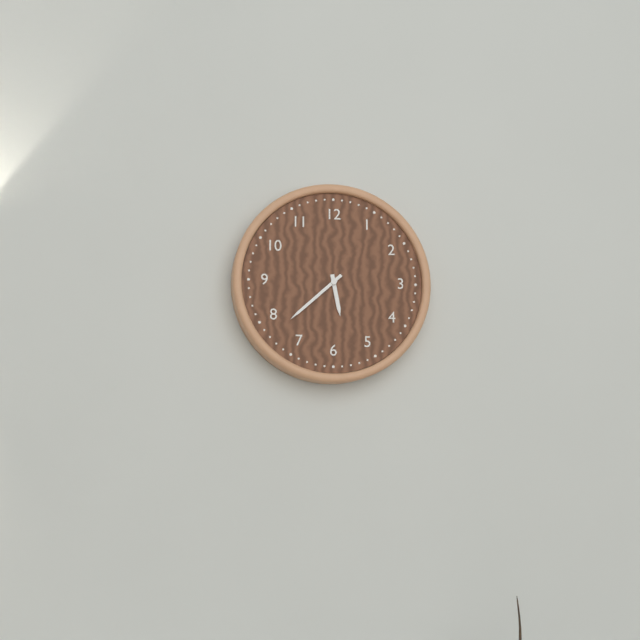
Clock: 5:38
